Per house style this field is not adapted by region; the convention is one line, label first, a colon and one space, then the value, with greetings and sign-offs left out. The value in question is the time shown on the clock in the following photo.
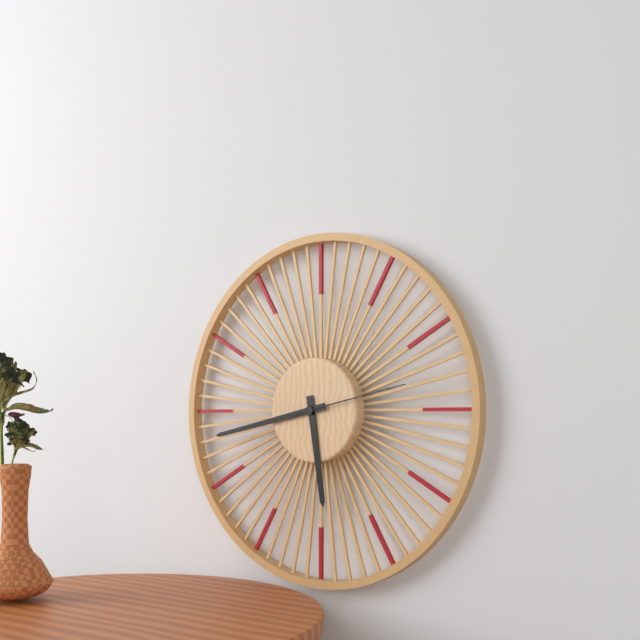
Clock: 5:43:13
